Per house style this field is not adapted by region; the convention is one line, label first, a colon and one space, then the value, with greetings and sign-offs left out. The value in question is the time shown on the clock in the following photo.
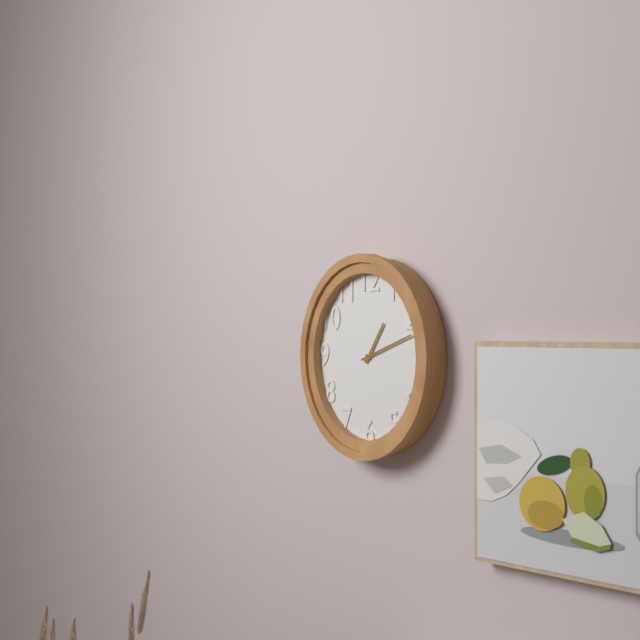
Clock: 1:12
